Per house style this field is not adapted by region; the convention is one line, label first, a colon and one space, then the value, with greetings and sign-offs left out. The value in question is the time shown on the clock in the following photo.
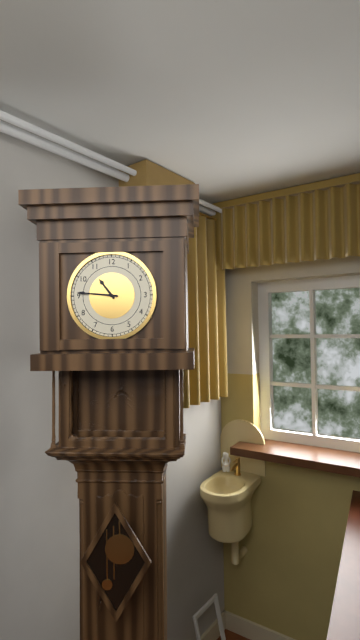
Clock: 10:46
